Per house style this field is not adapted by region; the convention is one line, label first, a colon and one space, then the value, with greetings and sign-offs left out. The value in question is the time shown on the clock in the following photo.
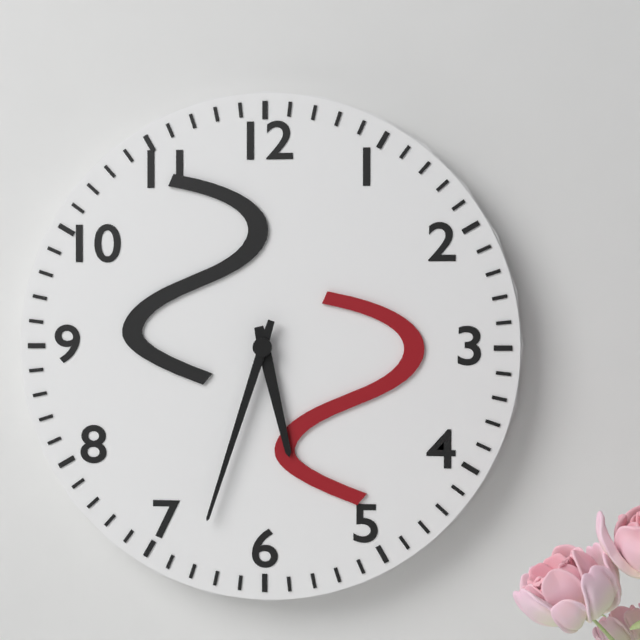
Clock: 5:33
